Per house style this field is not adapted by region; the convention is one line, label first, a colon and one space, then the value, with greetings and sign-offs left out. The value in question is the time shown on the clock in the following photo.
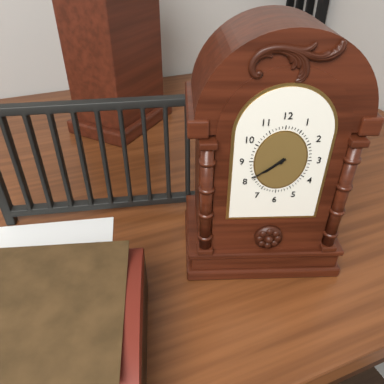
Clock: 7:39
